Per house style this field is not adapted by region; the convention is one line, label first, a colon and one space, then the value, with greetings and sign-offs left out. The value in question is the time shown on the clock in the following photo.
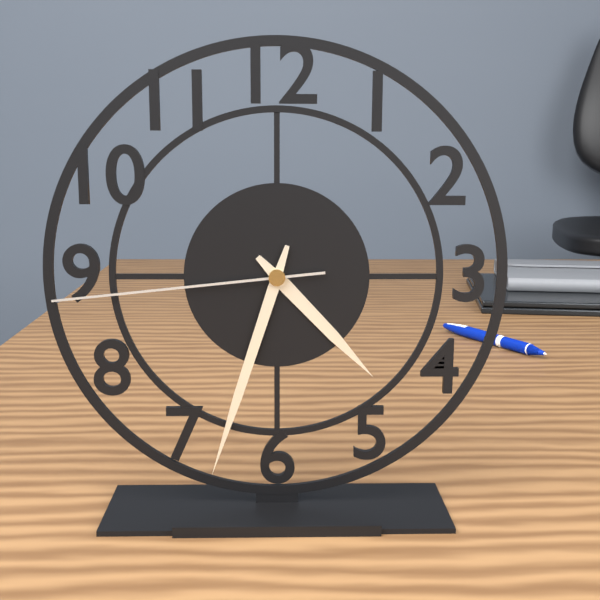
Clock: 4:33:44
